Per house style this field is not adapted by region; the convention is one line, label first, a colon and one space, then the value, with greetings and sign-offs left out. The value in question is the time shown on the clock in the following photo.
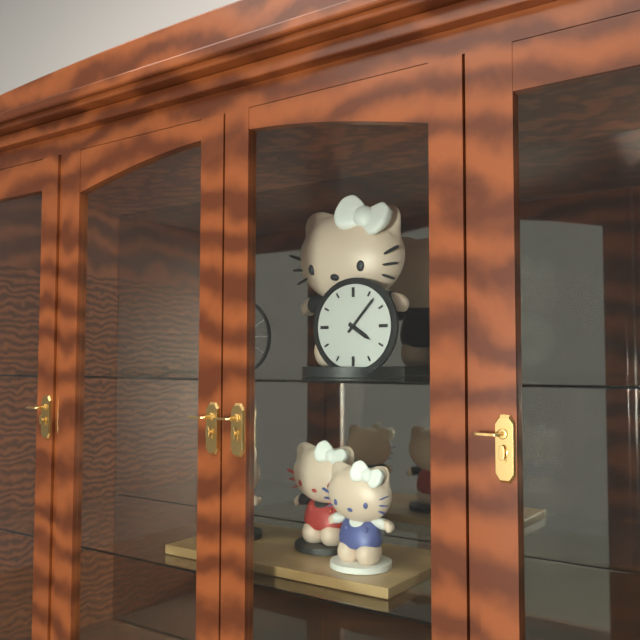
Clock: 4:07
